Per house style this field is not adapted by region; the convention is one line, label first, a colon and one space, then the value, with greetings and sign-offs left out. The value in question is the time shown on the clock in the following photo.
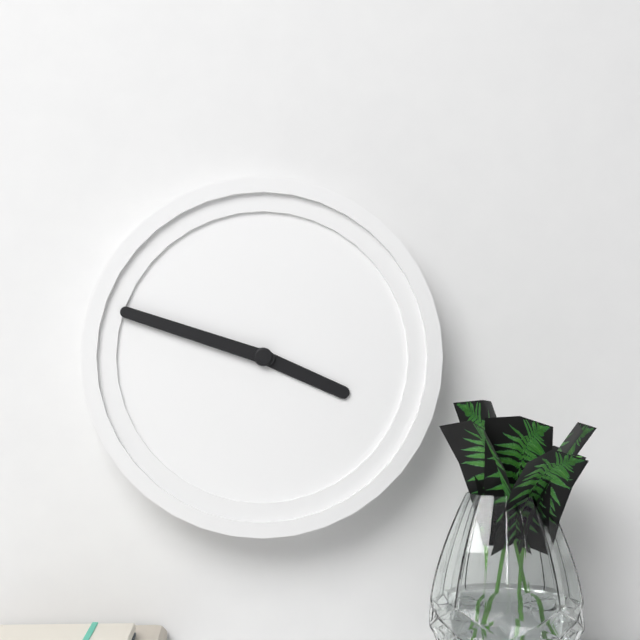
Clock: 3:48
